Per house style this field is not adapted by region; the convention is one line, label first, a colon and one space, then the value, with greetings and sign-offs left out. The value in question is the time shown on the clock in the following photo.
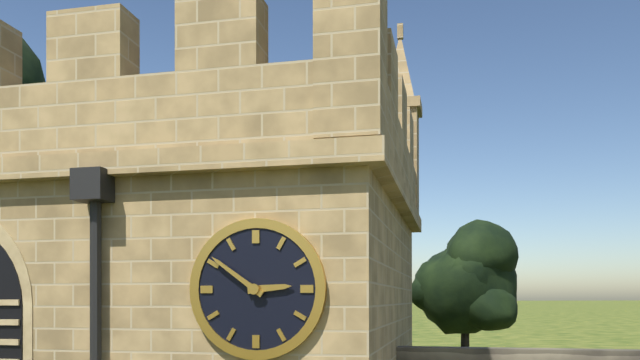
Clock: 2:51
